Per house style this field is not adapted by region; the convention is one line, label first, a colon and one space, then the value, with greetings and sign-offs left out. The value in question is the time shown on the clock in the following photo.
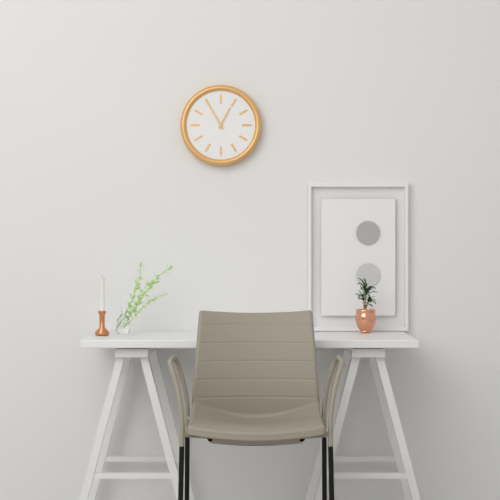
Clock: 12:55
